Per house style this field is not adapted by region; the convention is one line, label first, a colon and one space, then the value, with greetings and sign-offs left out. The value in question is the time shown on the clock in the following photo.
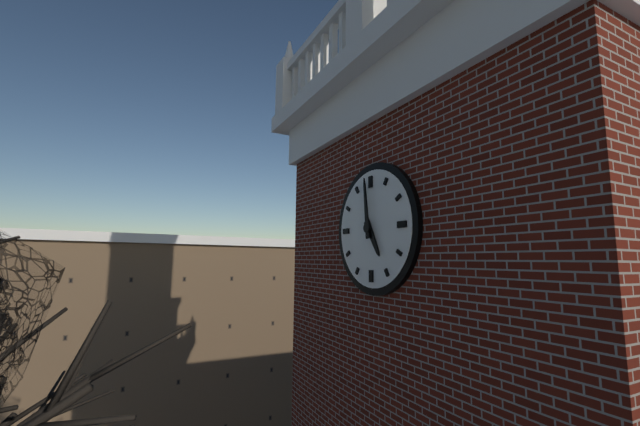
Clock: 4:59
